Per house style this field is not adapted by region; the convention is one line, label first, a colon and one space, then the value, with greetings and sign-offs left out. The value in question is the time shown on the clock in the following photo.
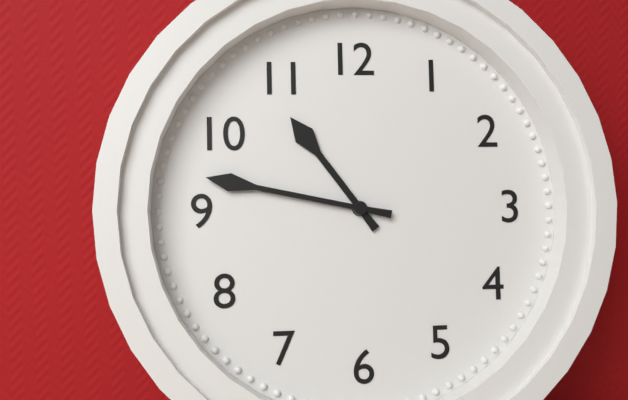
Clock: 10:47
